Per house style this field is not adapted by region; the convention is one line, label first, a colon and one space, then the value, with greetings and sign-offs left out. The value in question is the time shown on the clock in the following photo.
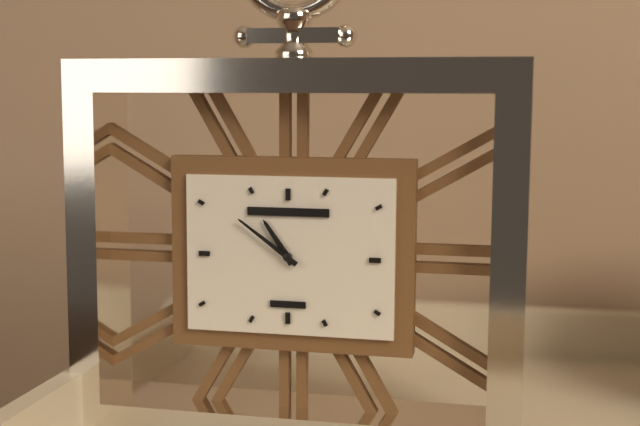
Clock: 10:51
